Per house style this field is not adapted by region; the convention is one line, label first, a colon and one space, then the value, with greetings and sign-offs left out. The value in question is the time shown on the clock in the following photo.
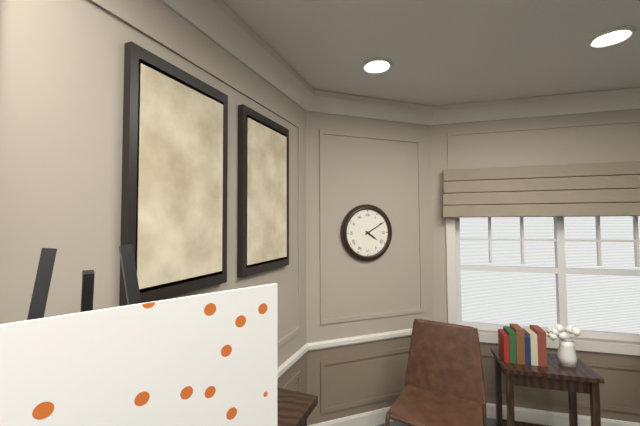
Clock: 4:10
